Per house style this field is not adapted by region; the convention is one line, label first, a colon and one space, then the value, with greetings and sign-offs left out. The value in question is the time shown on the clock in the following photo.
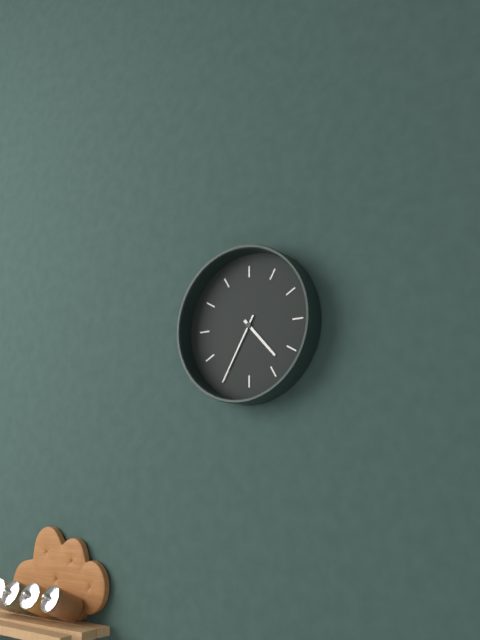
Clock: 4:35
